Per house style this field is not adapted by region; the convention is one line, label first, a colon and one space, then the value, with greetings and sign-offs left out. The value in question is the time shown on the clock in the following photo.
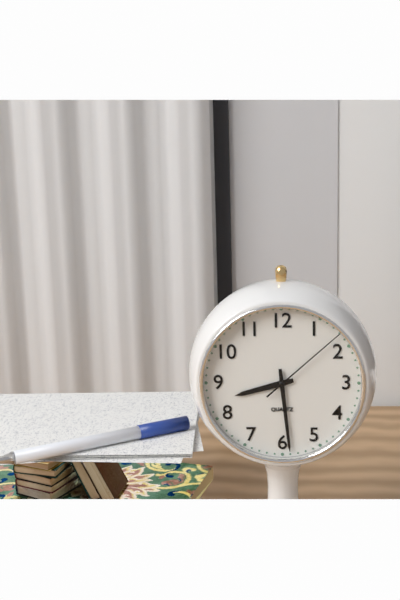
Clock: 8:29:08
